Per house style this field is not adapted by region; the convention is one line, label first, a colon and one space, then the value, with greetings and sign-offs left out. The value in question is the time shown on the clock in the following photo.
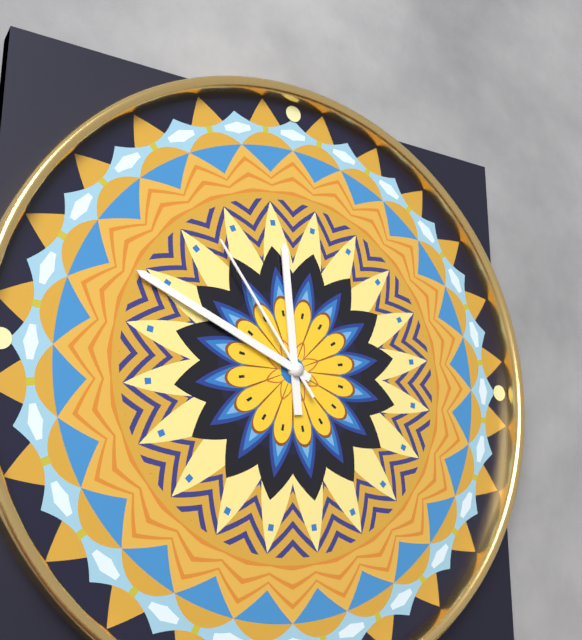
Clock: 11:49:54
